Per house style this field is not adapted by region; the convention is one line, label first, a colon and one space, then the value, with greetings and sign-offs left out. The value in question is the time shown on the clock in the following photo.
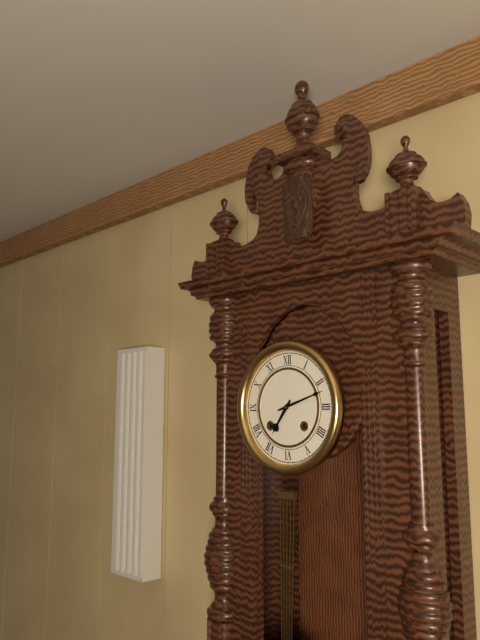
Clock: 7:12
